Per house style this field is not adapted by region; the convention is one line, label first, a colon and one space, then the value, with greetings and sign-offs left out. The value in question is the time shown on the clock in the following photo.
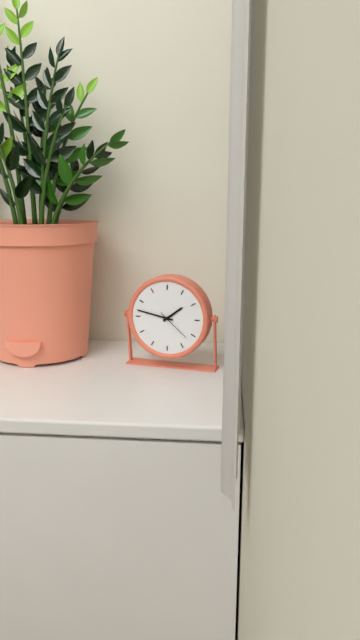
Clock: 1:47
